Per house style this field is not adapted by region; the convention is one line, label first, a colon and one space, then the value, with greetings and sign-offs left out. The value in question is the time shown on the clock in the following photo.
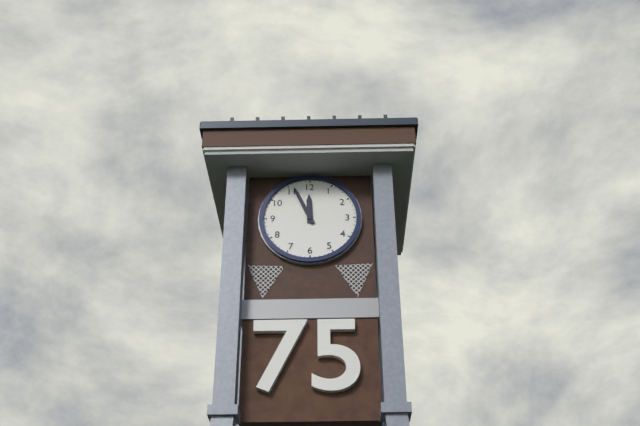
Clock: 11:56
